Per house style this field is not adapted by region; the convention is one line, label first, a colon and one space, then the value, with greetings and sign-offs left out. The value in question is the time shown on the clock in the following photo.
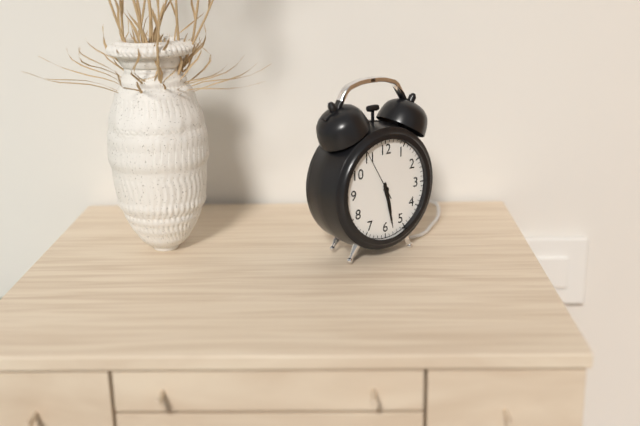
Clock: 5:28:55
